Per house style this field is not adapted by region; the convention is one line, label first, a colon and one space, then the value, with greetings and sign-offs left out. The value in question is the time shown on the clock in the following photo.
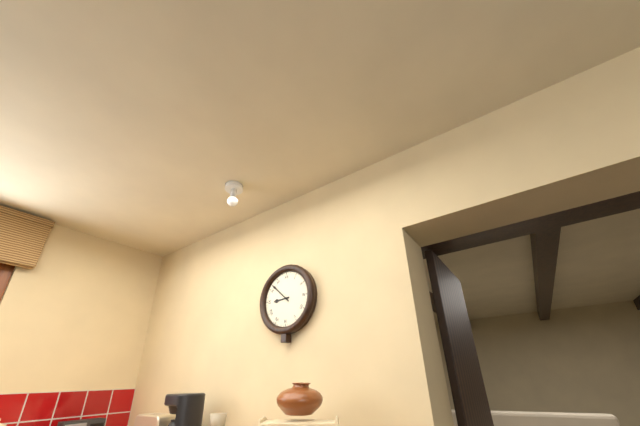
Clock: 8:52
